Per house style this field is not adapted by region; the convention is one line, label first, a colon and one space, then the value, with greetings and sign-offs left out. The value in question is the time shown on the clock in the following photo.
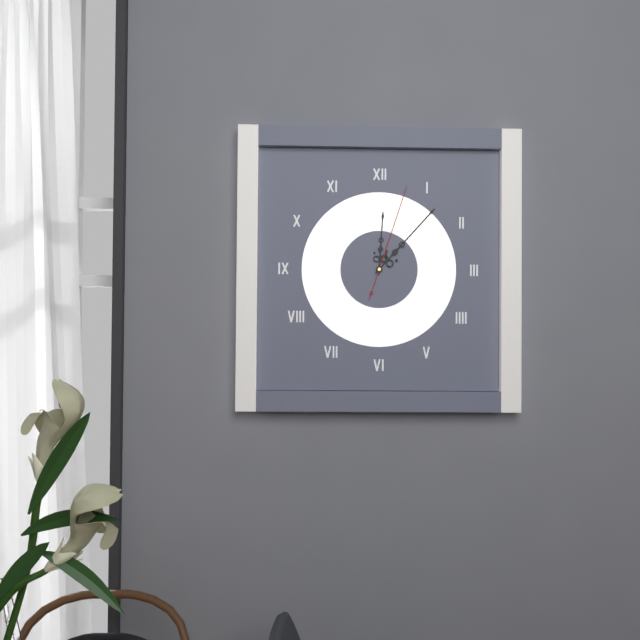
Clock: 12:07:03
